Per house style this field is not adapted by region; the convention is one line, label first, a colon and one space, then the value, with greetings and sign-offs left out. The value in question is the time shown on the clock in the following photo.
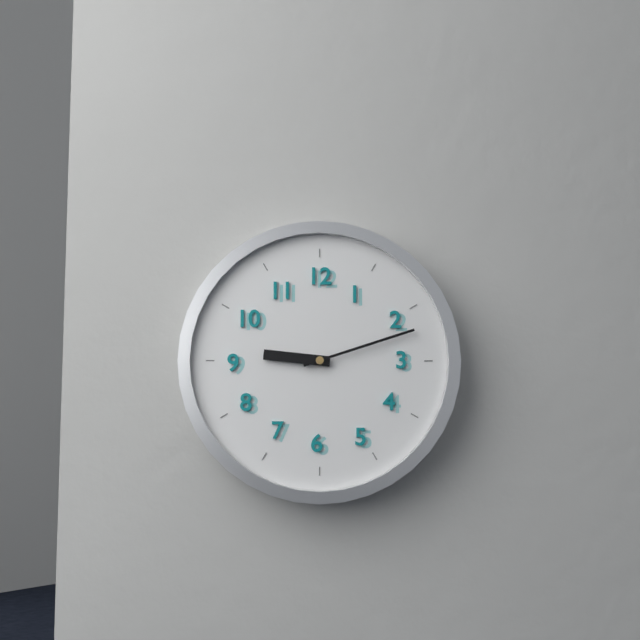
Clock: 9:12
